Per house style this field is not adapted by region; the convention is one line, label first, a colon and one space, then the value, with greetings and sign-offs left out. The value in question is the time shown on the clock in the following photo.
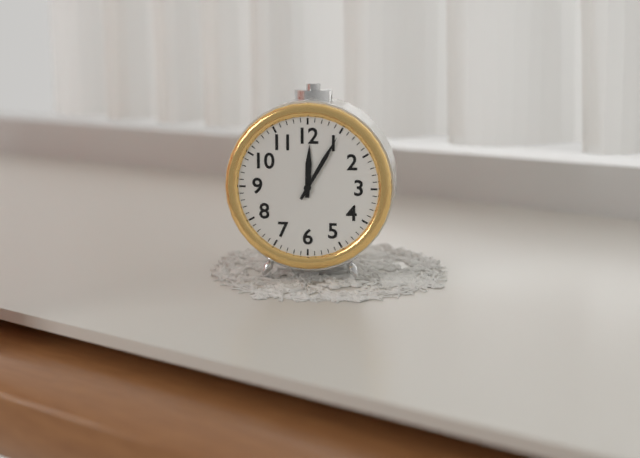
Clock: 12:05
